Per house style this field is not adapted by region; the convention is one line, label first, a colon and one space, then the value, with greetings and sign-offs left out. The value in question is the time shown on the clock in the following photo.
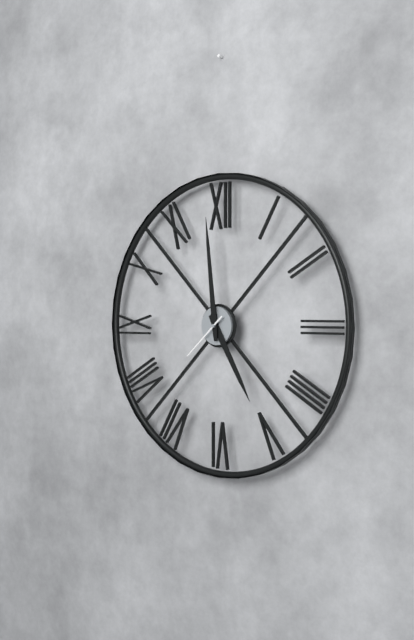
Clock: 4:59:38
